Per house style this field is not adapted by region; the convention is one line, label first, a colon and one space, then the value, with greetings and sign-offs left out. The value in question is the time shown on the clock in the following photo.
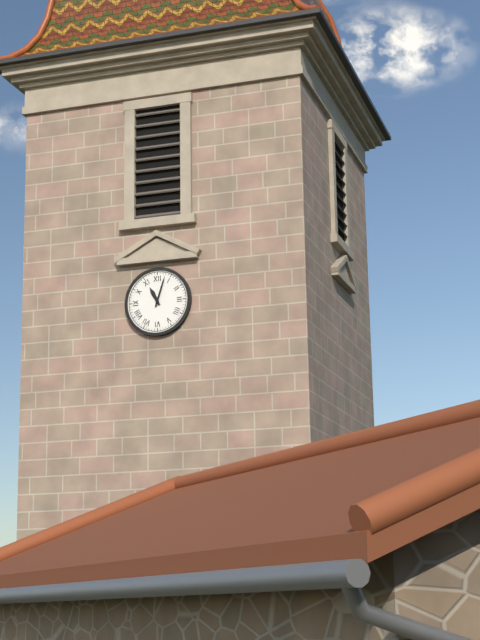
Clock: 11:03
